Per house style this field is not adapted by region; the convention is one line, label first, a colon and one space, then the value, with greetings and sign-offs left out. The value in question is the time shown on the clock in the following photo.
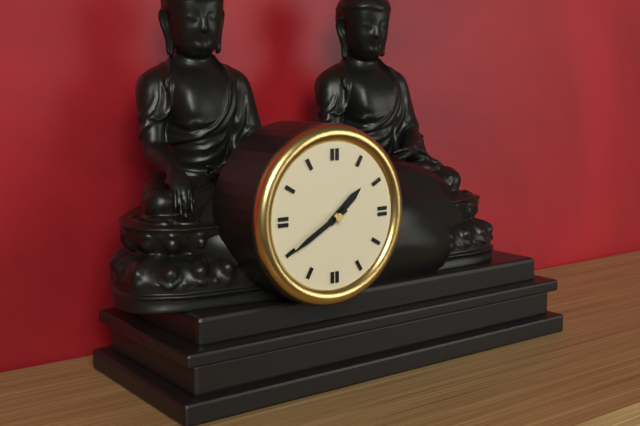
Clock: 1:40
